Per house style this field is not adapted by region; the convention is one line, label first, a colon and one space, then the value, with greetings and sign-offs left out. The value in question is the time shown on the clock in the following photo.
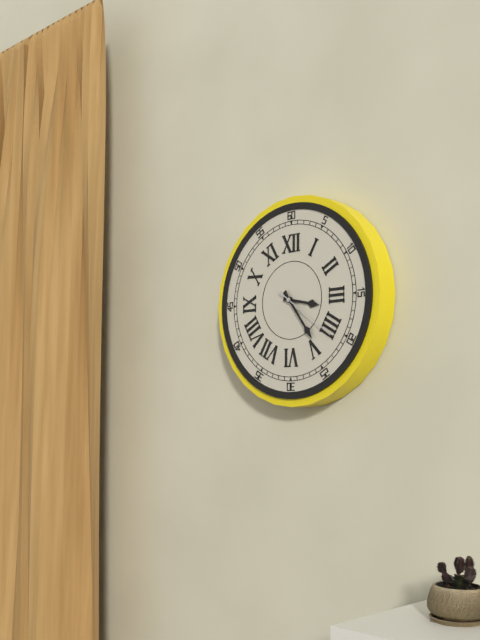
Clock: 3:24
